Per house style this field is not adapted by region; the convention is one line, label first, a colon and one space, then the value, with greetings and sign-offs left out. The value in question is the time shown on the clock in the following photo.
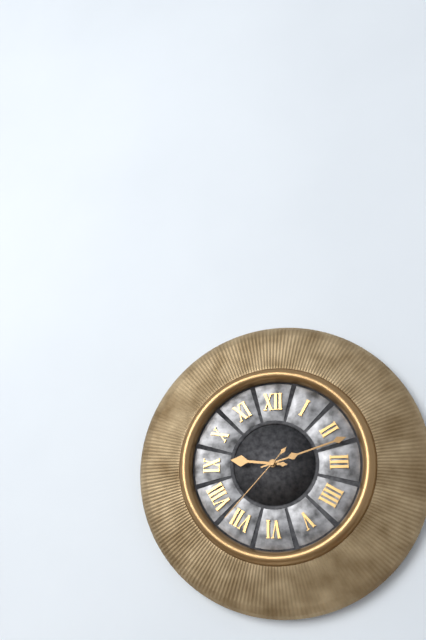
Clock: 9:12:37
